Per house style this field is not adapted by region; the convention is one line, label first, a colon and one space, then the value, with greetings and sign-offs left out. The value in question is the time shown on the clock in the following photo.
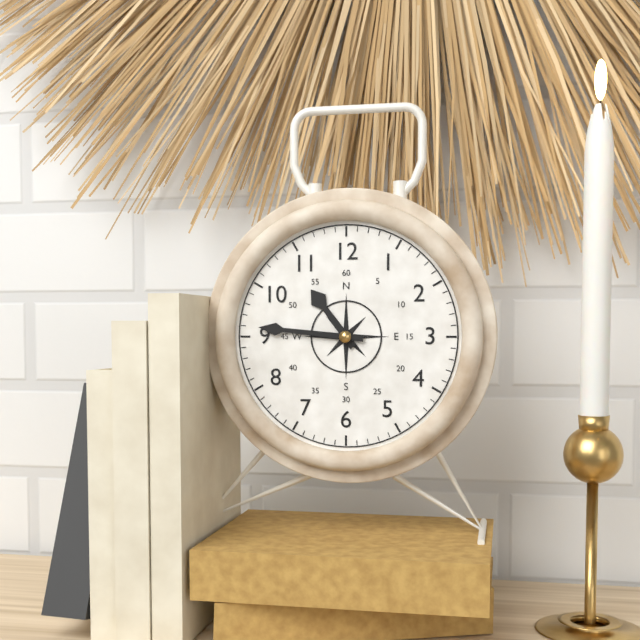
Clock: 10:46
